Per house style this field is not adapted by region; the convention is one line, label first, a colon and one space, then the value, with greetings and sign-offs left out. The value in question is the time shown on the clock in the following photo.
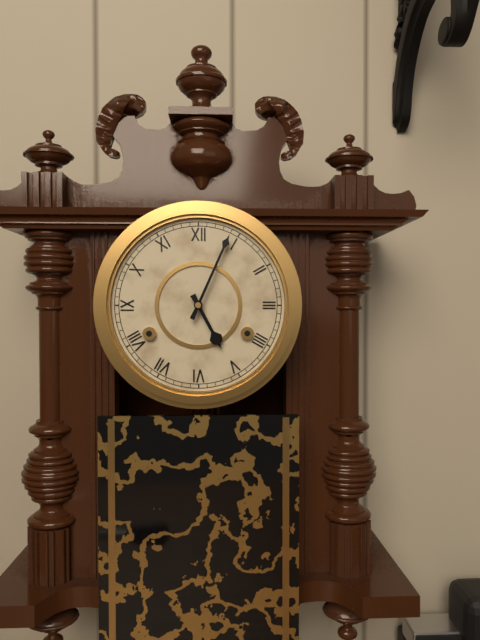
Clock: 5:04
